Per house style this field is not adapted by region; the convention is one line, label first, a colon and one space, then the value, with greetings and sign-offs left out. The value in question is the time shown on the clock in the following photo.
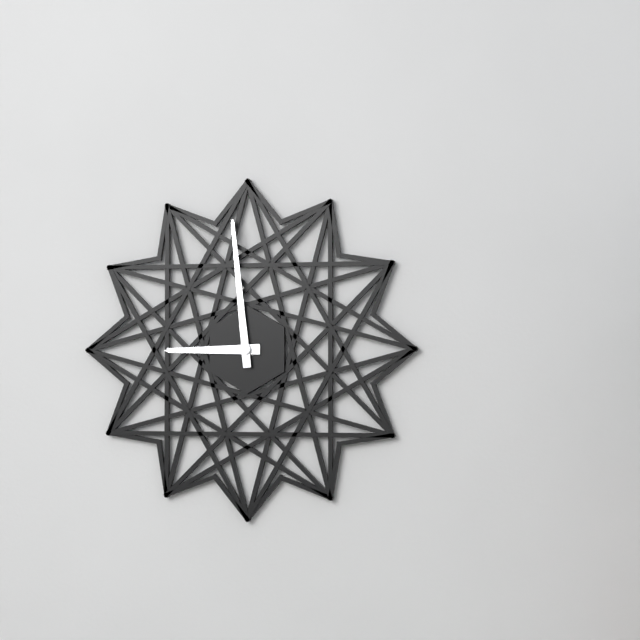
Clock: 8:59
